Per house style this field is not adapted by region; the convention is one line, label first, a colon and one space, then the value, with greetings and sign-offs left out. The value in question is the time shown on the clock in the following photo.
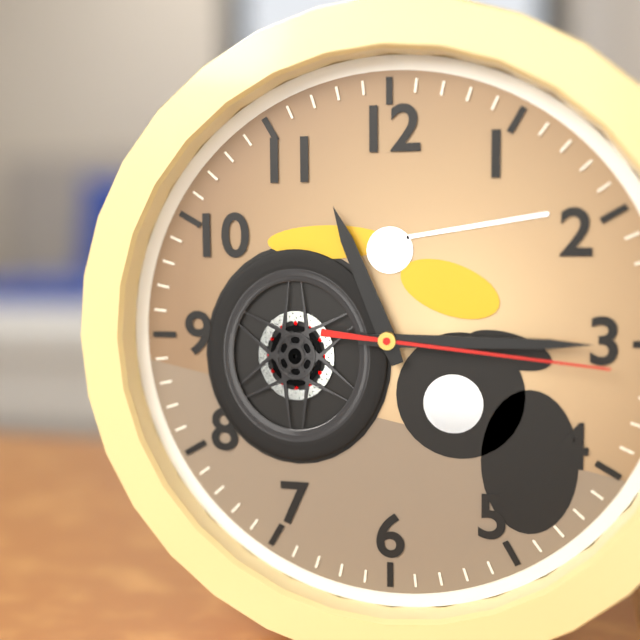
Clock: 11:15:16
